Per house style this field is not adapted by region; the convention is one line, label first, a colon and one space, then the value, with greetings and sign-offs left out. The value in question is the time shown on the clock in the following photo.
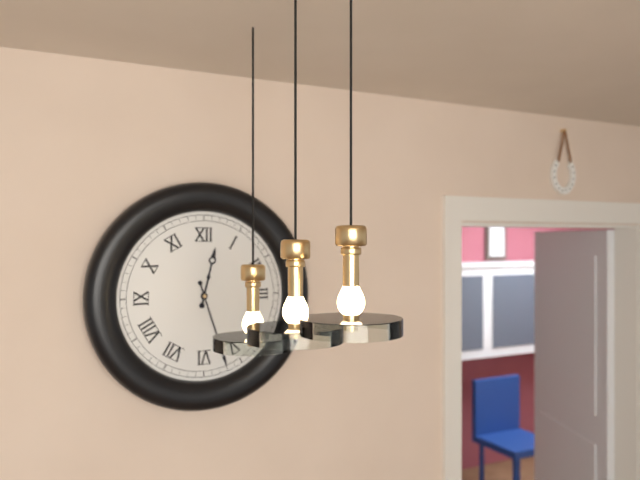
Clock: 12:27
